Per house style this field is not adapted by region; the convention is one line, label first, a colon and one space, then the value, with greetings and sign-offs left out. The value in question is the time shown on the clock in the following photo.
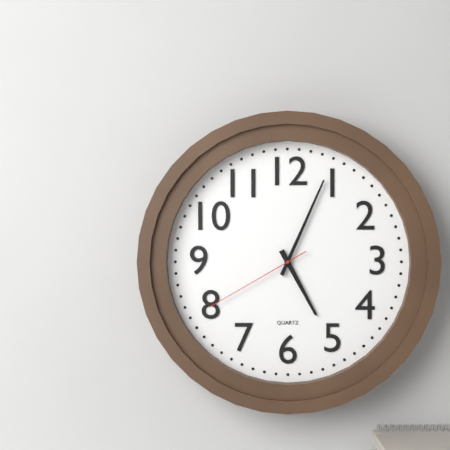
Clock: 5:04:40
